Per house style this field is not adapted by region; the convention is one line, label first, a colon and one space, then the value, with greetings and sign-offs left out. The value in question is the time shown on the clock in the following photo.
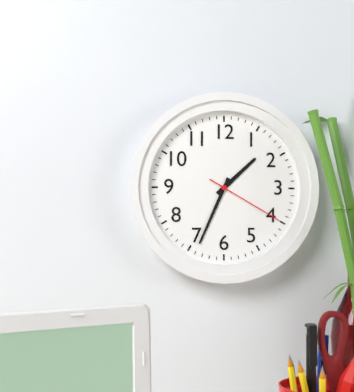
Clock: 1:34:20
